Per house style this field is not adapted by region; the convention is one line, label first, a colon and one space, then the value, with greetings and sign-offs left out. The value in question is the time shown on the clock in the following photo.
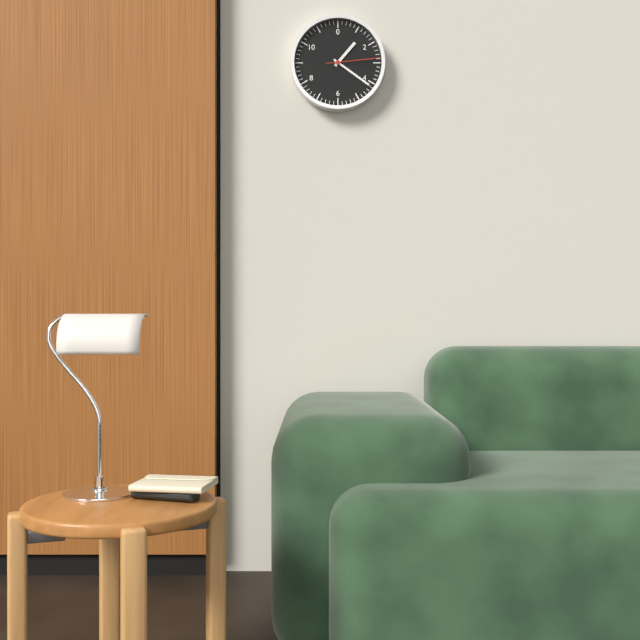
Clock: 1:21:14
